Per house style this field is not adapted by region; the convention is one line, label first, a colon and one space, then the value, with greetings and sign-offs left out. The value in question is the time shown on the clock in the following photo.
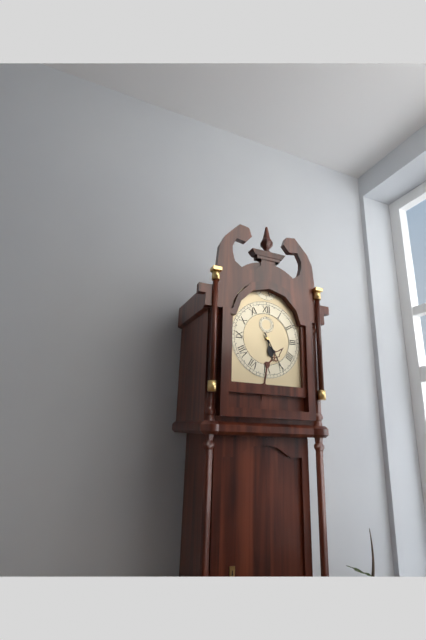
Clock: 5:25
